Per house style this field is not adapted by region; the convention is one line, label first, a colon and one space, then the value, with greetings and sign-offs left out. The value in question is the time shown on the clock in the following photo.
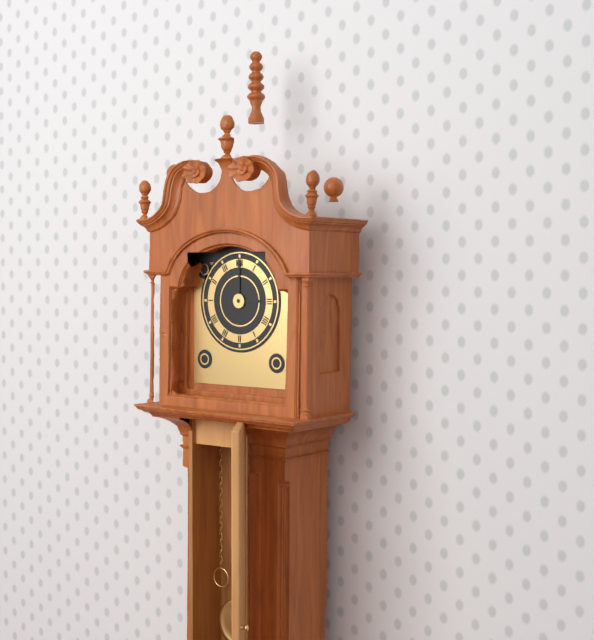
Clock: 3:00
